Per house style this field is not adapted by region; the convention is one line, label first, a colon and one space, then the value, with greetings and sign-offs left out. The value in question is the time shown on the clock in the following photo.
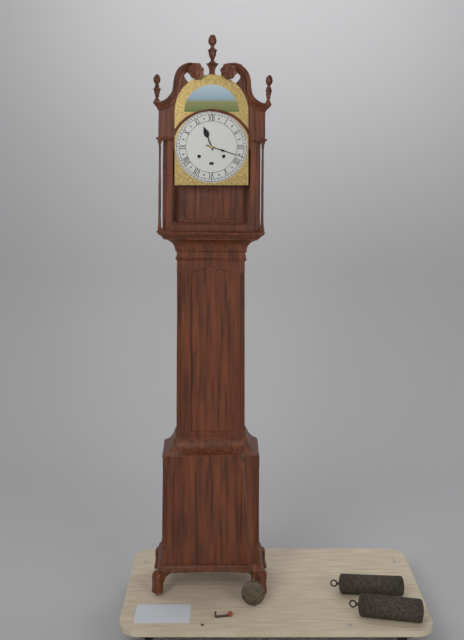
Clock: 11:18
